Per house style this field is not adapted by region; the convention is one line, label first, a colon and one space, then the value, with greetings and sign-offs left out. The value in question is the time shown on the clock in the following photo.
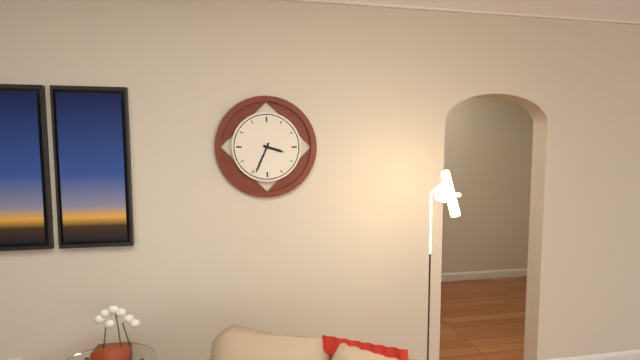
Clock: 3:34
